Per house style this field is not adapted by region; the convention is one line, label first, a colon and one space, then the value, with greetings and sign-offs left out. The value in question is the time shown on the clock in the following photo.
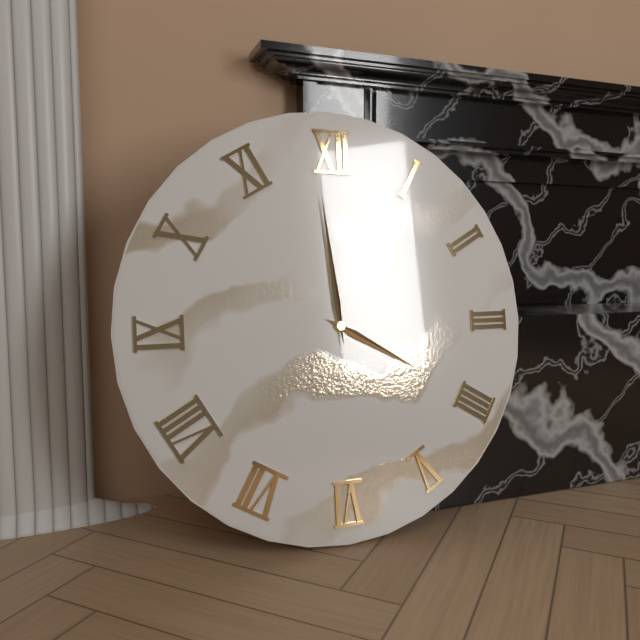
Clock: 3:59
